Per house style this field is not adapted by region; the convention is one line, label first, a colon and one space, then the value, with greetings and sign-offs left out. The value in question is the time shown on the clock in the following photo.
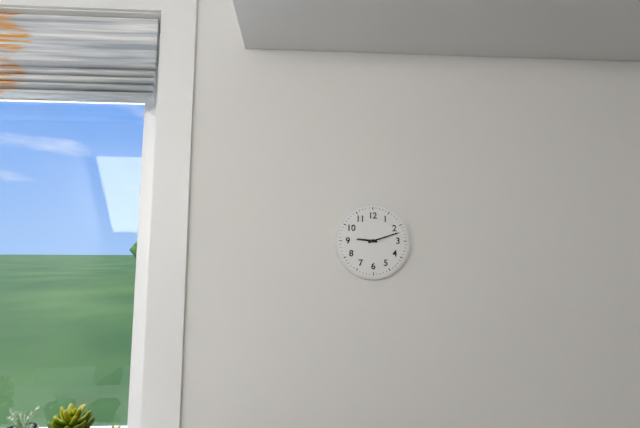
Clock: 9:12
